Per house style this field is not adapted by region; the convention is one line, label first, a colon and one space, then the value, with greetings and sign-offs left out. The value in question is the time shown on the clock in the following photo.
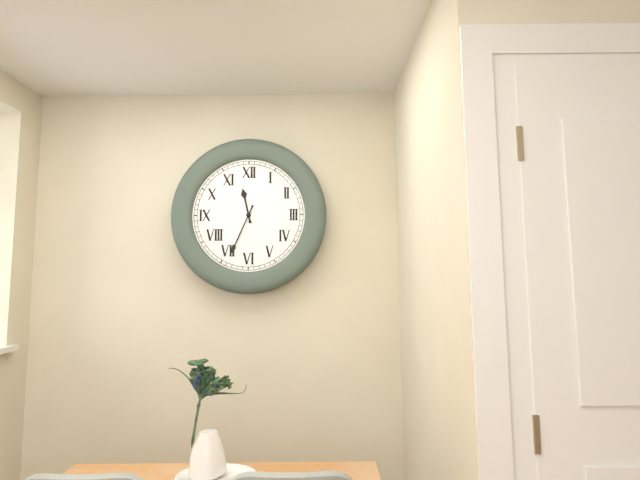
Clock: 11:34
